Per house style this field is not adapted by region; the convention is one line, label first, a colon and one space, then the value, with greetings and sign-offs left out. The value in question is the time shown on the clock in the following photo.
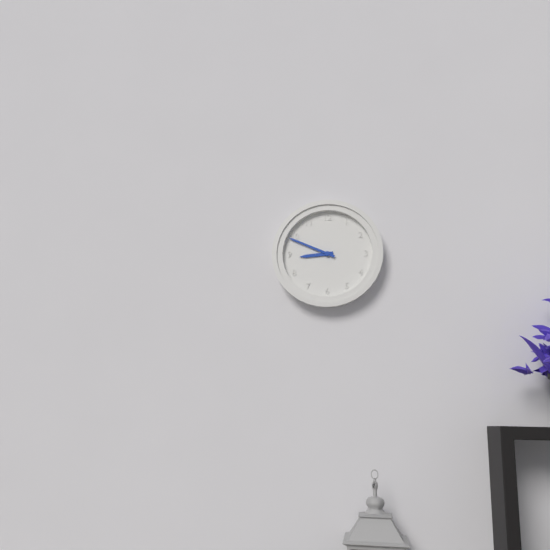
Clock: 8:49
